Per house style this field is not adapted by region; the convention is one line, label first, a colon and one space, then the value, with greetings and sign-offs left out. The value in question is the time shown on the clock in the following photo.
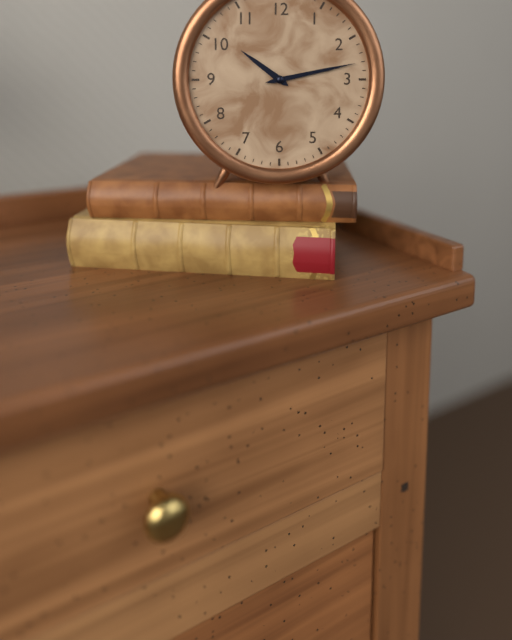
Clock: 10:13
